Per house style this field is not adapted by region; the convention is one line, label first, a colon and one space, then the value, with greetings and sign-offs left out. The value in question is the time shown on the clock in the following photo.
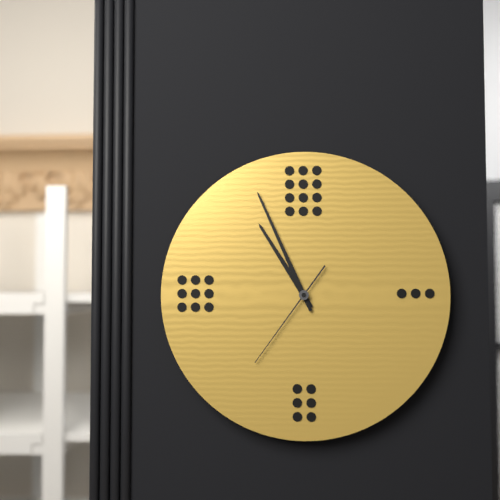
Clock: 10:56:36
